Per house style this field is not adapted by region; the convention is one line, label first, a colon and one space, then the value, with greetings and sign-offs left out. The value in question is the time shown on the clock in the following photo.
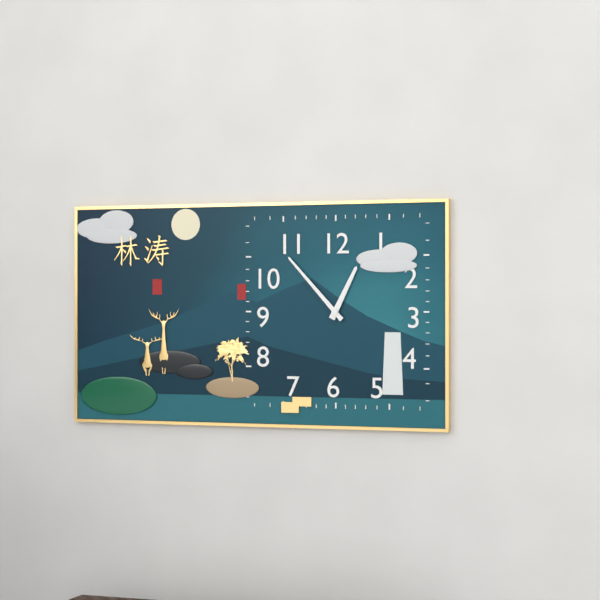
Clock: 12:53
